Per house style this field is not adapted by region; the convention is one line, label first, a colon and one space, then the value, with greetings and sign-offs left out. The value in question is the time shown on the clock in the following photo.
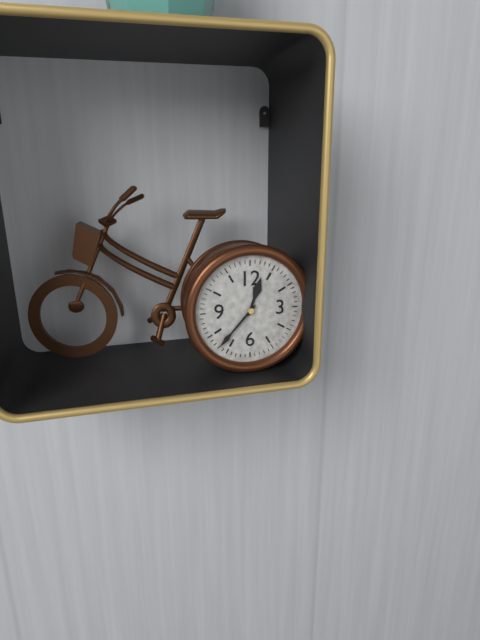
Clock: 12:37
